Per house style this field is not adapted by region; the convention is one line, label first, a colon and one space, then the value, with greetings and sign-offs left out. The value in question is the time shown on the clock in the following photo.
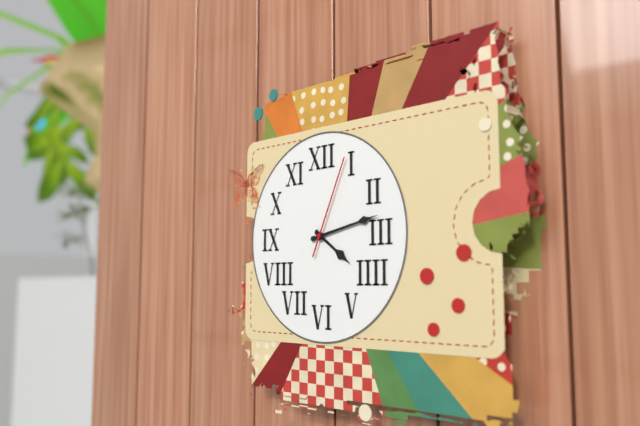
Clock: 4:13:04
